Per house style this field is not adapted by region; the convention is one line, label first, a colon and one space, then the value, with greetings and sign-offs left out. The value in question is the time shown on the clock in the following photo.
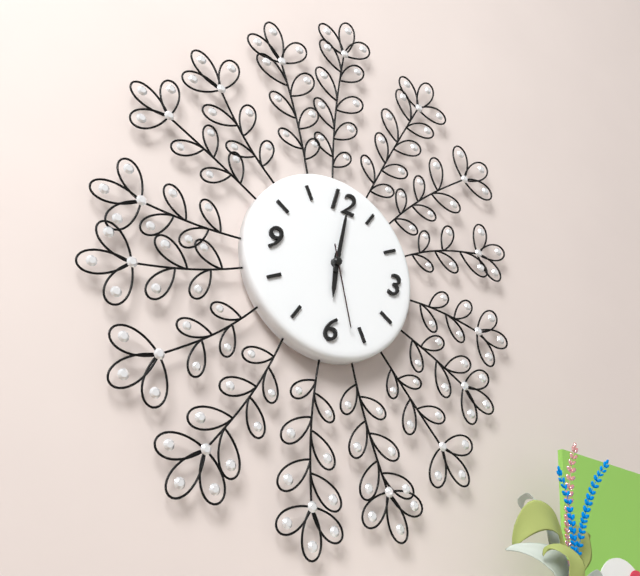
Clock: 6:01:27
